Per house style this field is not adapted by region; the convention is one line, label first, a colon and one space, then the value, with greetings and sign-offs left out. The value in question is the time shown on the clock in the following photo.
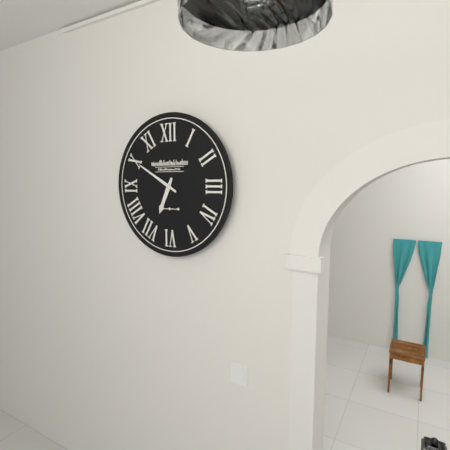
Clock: 6:50
